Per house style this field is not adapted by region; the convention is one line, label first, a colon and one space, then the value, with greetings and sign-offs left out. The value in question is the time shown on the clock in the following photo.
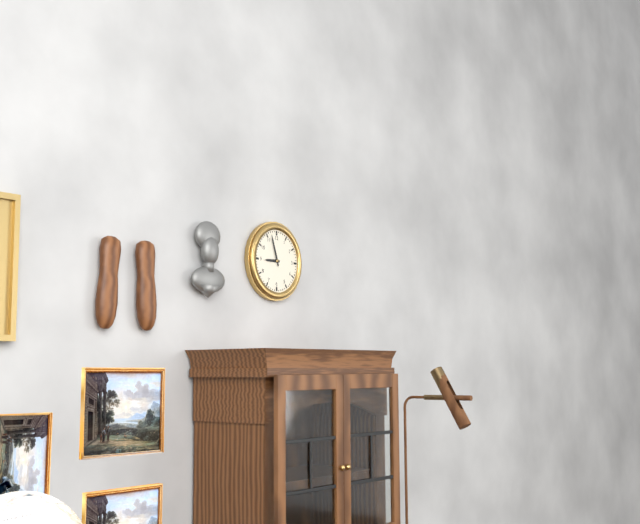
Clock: 8:57
